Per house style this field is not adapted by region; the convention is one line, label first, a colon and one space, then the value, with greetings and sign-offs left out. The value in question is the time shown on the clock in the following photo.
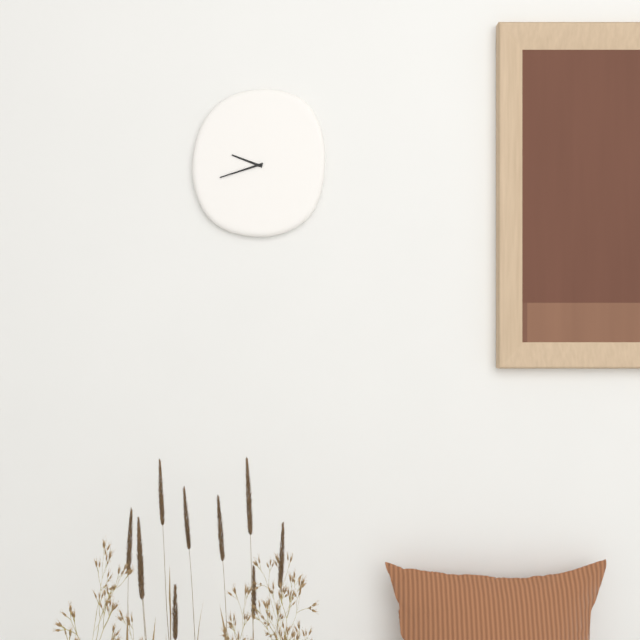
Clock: 9:42
